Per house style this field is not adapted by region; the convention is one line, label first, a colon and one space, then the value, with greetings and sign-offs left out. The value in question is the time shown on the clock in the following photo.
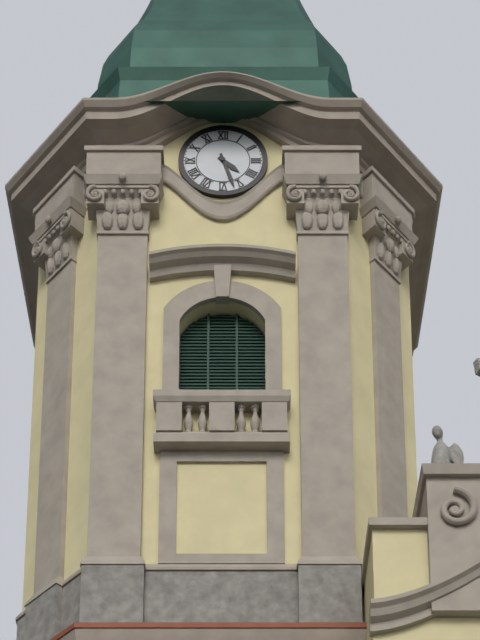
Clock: 4:27
